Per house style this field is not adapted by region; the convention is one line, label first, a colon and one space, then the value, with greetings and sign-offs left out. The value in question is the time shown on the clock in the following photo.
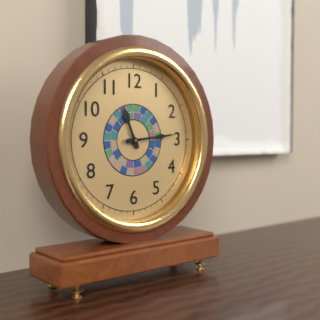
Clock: 11:14
